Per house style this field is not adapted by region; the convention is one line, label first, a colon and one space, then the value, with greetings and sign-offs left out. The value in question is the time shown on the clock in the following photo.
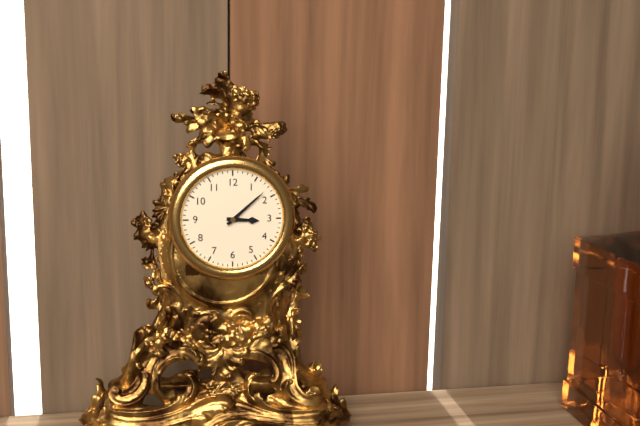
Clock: 3:08
